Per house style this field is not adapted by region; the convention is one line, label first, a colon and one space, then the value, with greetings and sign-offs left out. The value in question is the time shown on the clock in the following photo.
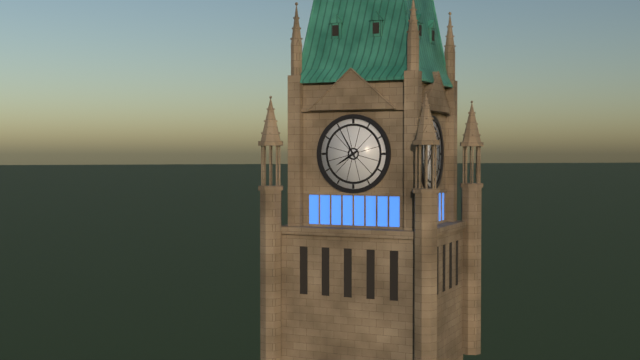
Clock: 7:55
